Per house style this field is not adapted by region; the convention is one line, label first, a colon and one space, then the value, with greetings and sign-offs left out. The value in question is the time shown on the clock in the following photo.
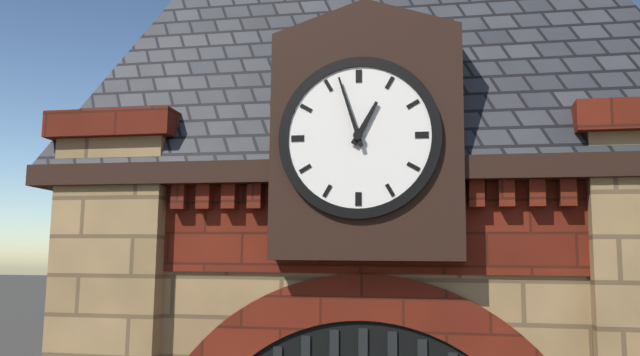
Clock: 12:57
